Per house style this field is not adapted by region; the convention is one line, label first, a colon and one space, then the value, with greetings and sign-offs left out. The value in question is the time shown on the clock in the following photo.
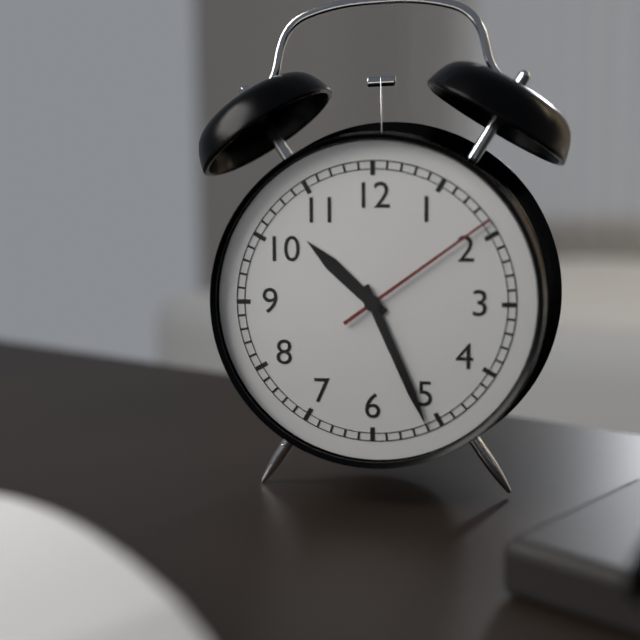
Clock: 10:26:09
